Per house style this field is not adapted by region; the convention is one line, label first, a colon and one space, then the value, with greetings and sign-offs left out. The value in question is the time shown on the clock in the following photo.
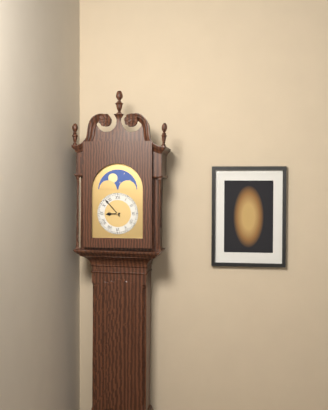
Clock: 8:53
